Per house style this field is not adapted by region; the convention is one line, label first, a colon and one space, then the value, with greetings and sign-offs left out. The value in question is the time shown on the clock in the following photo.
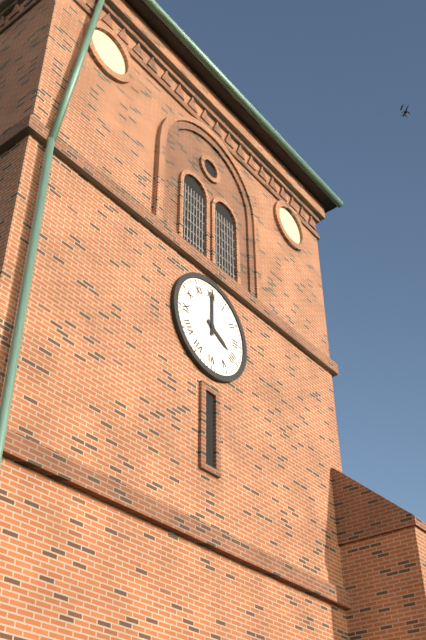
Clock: 4:00
